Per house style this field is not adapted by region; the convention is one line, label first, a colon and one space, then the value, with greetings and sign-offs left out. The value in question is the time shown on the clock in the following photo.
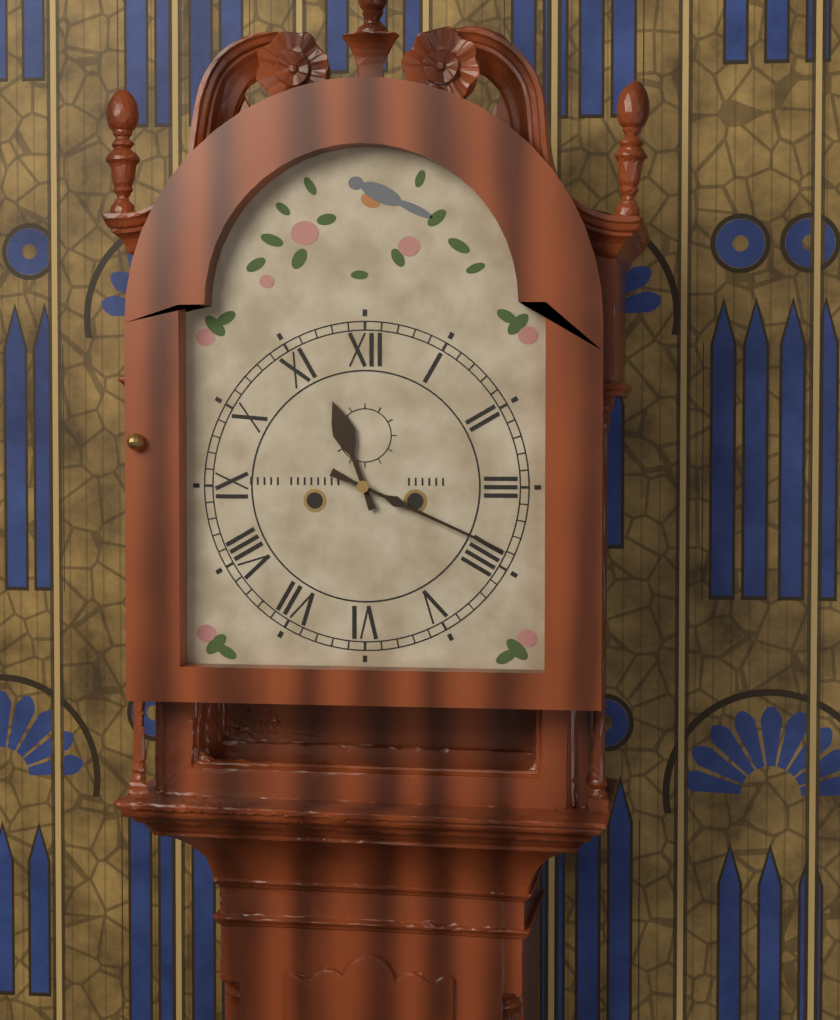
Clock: 11:19
